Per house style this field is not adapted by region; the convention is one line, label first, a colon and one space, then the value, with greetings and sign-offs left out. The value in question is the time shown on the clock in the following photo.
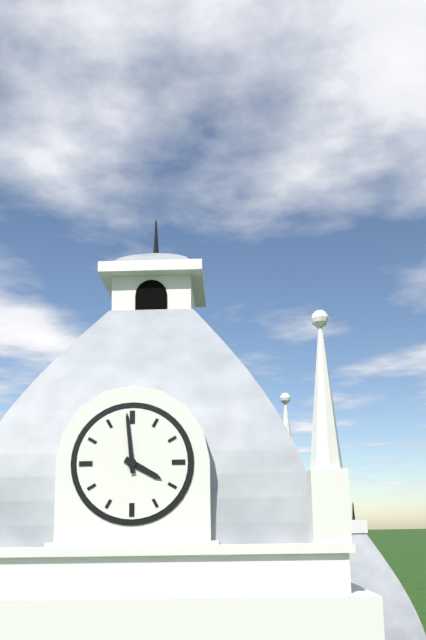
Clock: 3:59
